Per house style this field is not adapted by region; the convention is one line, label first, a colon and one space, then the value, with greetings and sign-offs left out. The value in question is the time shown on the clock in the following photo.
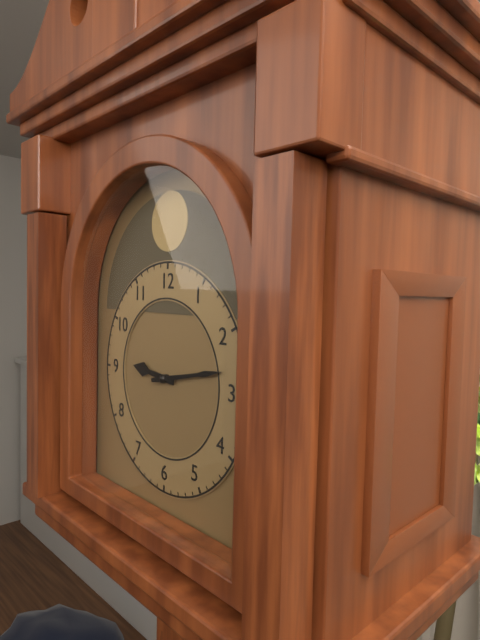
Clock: 9:13
